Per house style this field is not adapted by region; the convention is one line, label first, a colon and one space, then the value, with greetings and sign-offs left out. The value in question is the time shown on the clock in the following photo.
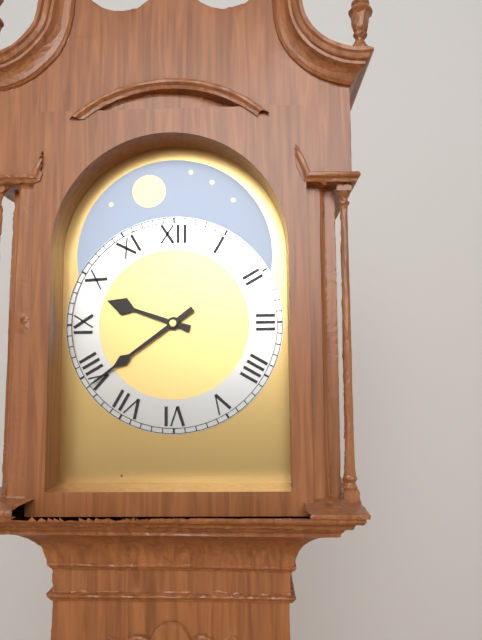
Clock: 9:39
